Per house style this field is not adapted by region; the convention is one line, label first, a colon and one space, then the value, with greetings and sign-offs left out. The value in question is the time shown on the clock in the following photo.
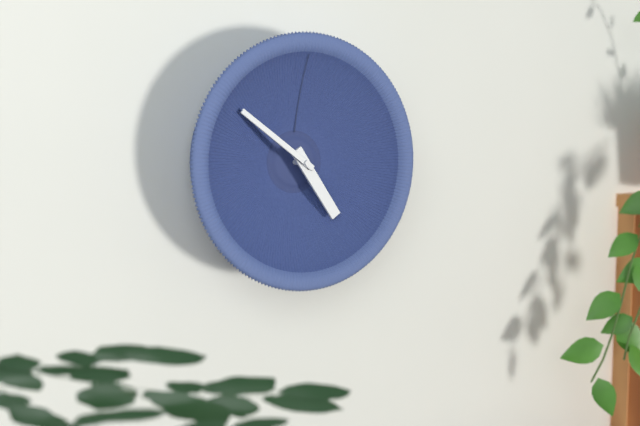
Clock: 4:51
